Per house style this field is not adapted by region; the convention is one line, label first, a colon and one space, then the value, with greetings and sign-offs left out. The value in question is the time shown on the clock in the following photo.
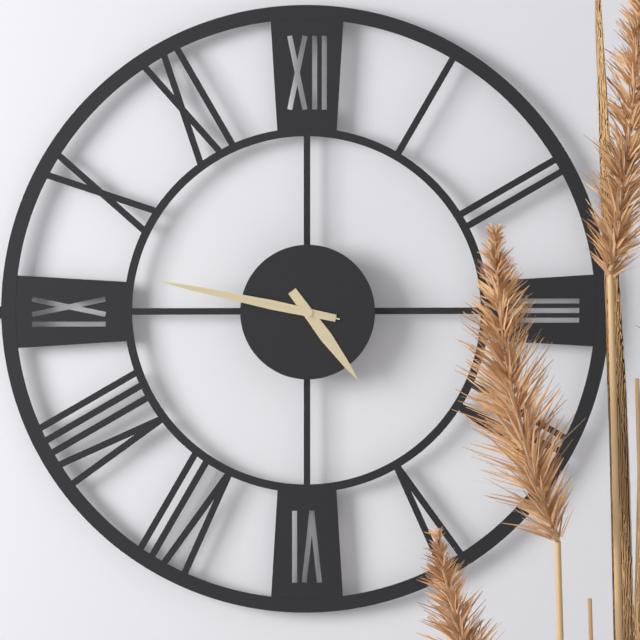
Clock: 4:47:47
